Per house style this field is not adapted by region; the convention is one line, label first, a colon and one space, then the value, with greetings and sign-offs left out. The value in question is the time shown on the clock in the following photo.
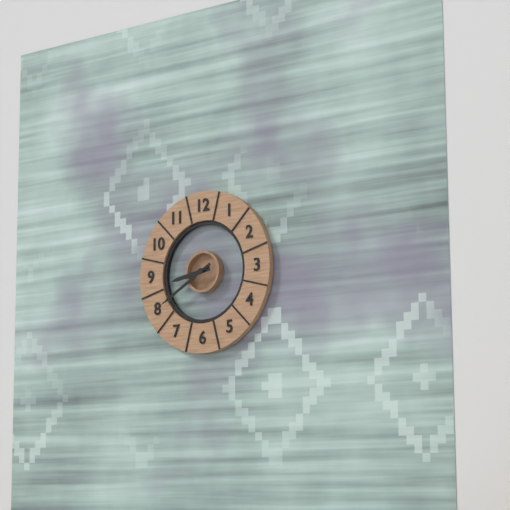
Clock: 8:40
